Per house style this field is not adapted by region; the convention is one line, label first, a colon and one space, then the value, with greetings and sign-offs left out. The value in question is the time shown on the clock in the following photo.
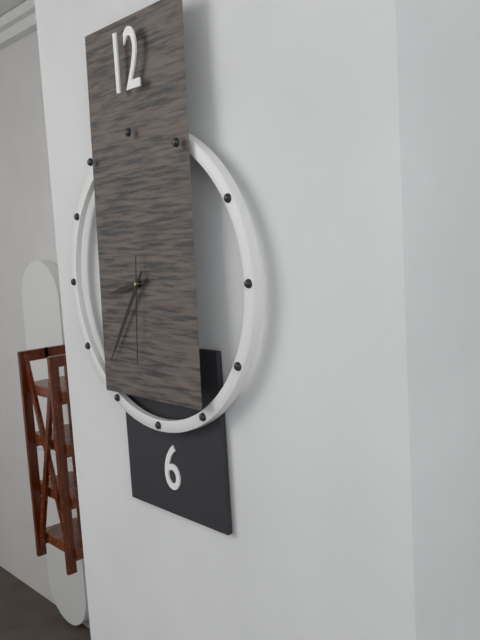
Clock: 8:36:31
